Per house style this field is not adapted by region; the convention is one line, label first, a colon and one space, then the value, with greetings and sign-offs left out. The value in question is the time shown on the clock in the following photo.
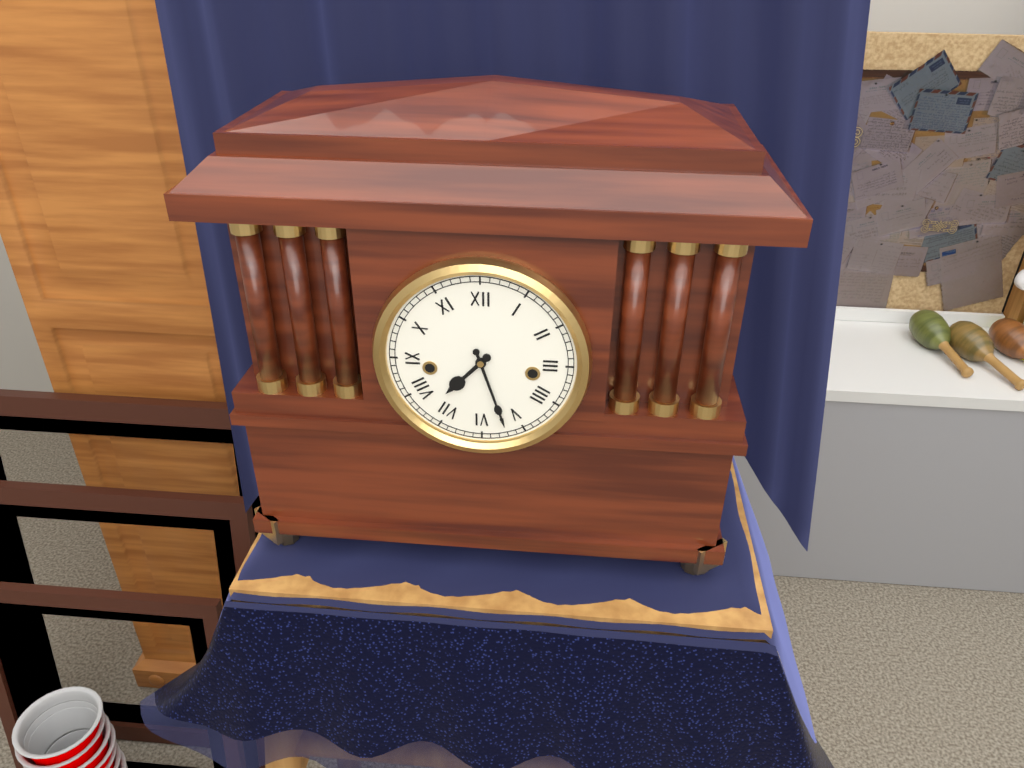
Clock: 7:27
